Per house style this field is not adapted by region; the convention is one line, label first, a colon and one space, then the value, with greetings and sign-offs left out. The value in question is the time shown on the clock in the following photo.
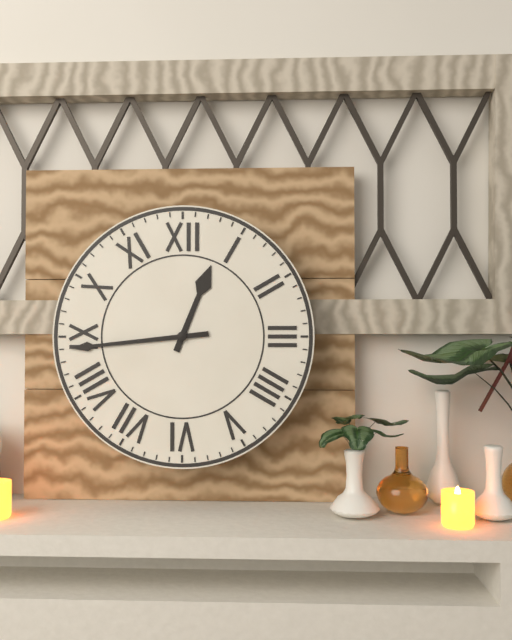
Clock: 12:44
